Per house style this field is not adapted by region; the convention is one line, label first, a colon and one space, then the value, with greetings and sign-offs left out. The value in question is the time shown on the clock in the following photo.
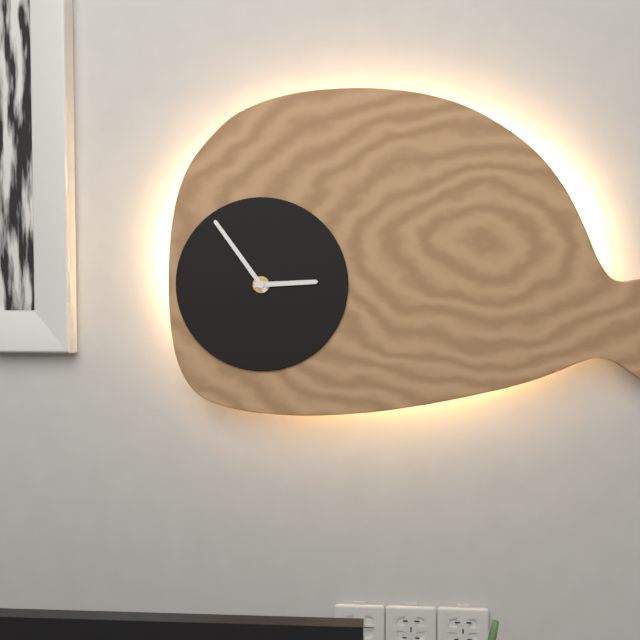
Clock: 2:54
